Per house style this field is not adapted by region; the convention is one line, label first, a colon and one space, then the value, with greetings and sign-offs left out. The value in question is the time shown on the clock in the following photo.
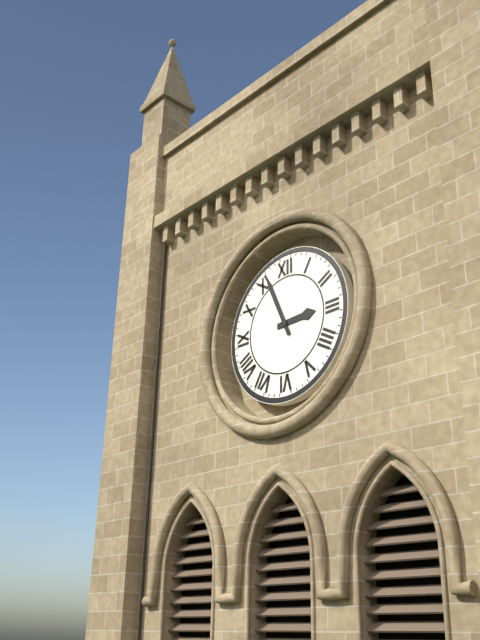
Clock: 2:56
